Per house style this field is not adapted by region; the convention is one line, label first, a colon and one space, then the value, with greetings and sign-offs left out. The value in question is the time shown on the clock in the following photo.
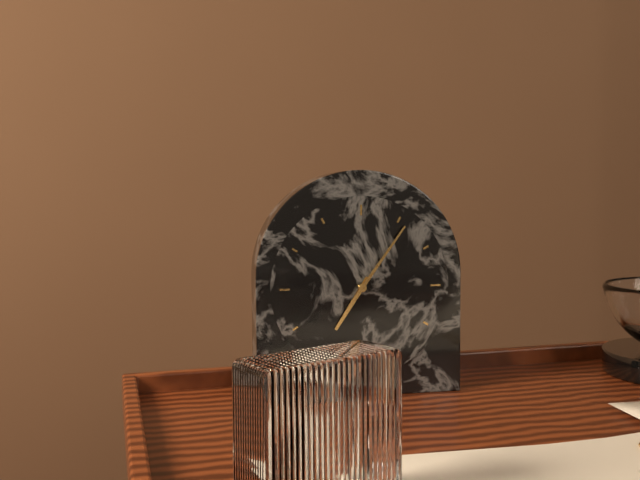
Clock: 7:06
